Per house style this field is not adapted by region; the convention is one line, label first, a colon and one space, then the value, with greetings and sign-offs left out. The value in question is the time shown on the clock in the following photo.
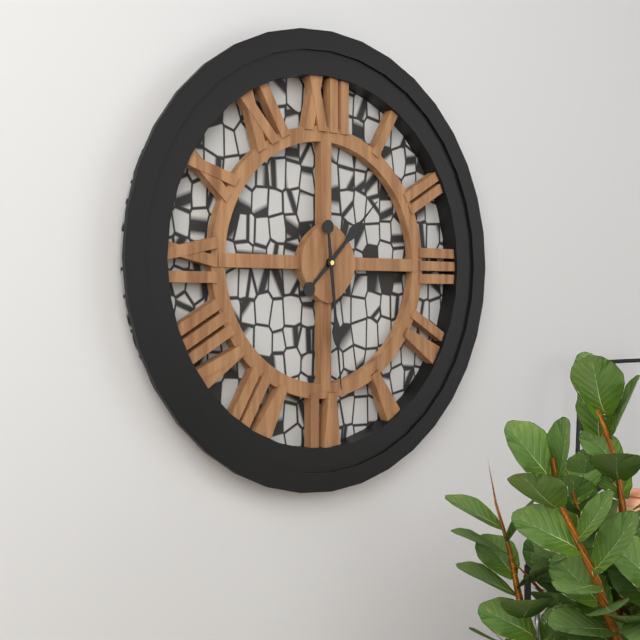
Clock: 1:29
